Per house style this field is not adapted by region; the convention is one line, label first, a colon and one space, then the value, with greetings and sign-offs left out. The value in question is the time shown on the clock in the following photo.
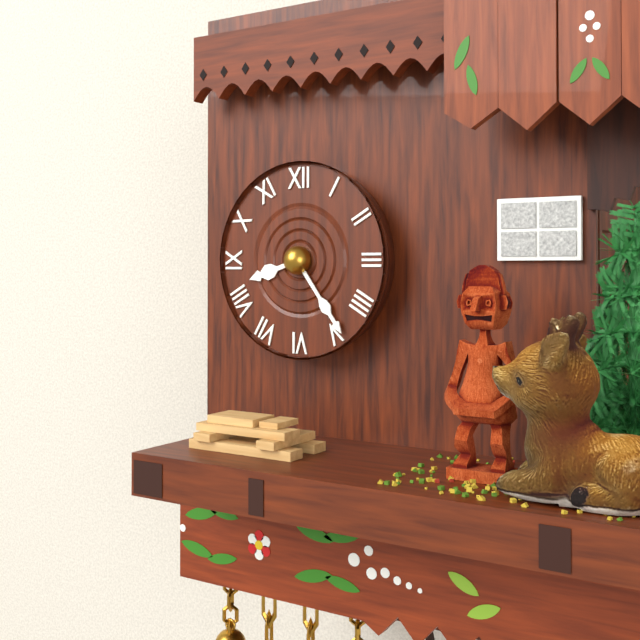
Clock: 8:24
